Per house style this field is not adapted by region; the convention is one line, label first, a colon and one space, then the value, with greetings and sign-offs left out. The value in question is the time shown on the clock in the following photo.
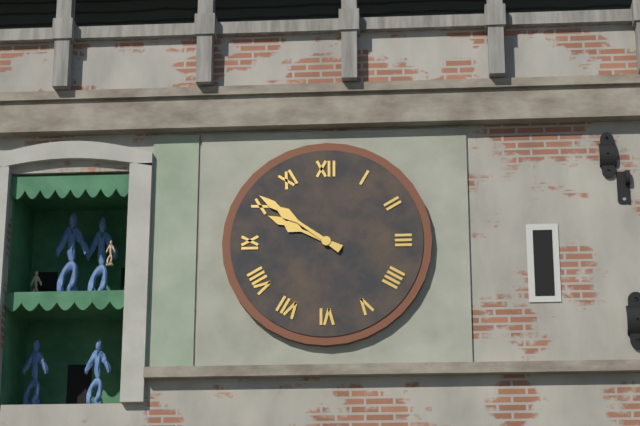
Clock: 9:51
